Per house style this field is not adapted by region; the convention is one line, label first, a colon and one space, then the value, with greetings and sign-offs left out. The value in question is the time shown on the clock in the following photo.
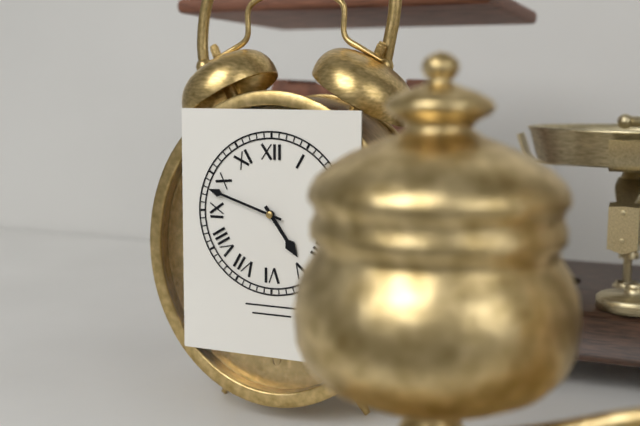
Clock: 4:48
